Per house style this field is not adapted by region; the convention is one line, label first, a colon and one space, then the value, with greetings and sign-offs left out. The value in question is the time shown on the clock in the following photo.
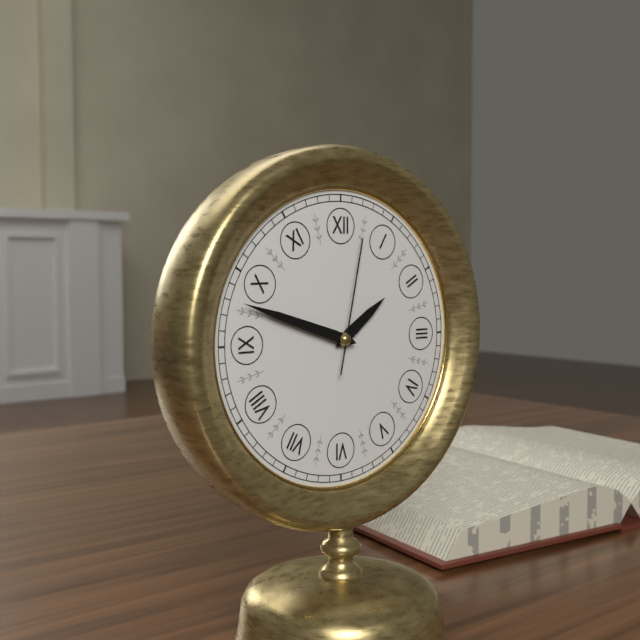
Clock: 1:48:02
